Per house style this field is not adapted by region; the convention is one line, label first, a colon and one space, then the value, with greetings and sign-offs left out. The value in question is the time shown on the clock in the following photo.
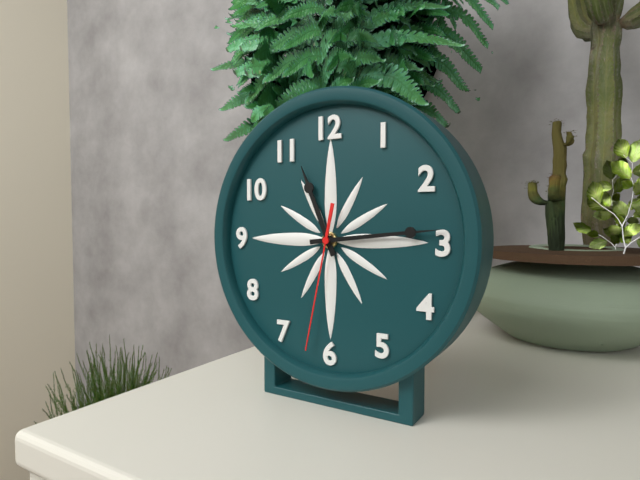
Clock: 11:14:32
